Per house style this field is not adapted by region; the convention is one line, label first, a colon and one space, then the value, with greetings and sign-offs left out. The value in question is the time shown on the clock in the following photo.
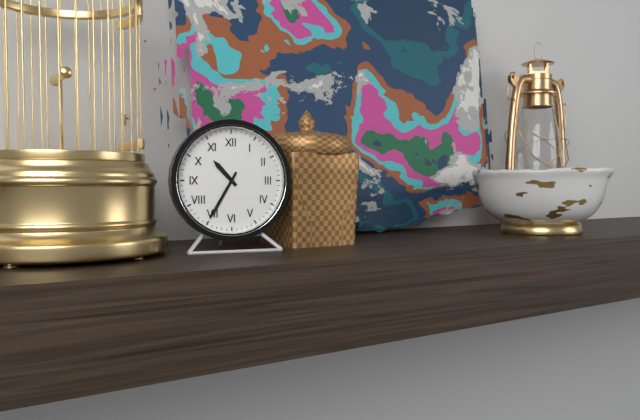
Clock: 10:35
